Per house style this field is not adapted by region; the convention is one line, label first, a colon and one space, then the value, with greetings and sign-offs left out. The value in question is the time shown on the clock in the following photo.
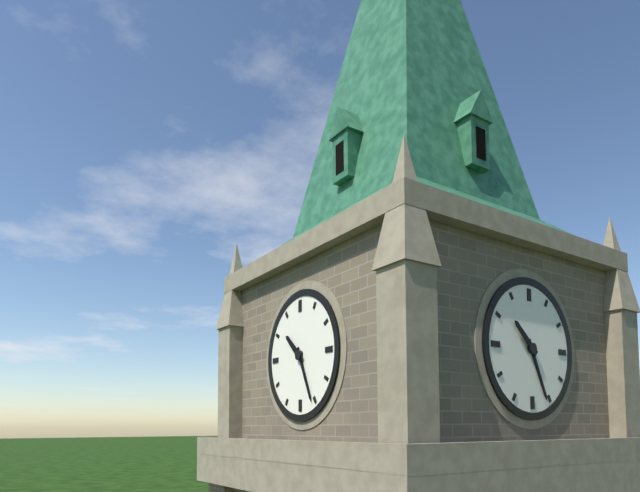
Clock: 10:26
